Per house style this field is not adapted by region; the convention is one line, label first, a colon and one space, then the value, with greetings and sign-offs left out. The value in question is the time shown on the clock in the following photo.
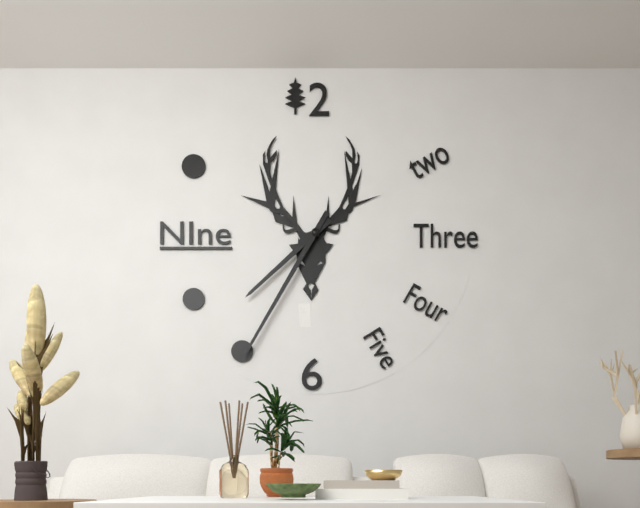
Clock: 7:35
